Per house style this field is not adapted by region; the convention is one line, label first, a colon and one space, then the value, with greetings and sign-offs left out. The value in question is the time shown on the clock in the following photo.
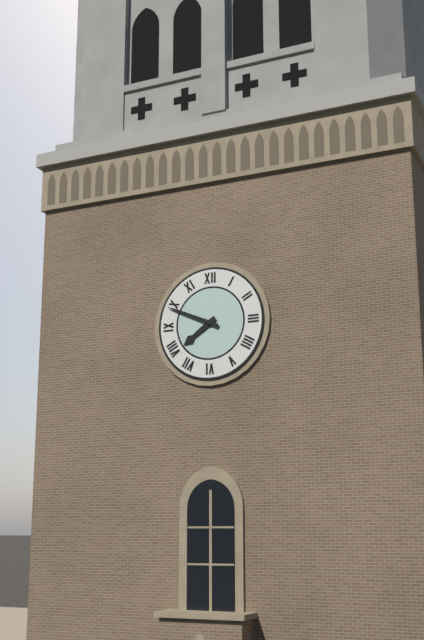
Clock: 7:49
